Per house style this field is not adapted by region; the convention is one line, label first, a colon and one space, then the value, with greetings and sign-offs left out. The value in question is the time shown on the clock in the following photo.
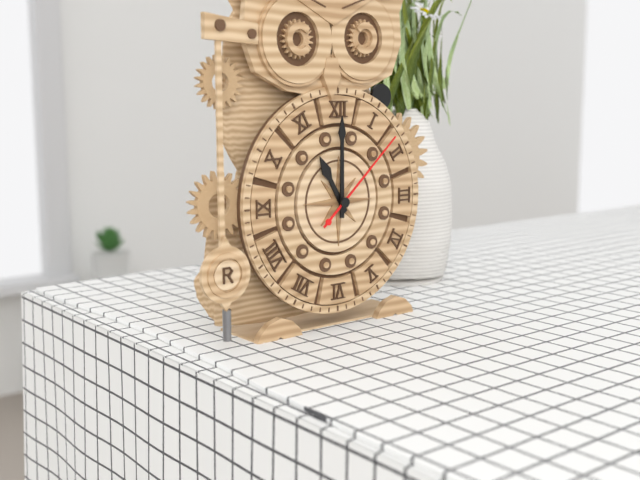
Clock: 11:00:08
